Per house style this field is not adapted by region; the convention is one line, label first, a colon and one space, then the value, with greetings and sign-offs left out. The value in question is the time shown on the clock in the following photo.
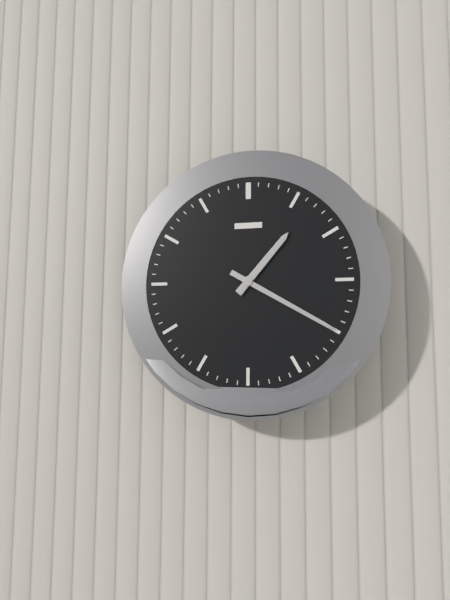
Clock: 1:20
